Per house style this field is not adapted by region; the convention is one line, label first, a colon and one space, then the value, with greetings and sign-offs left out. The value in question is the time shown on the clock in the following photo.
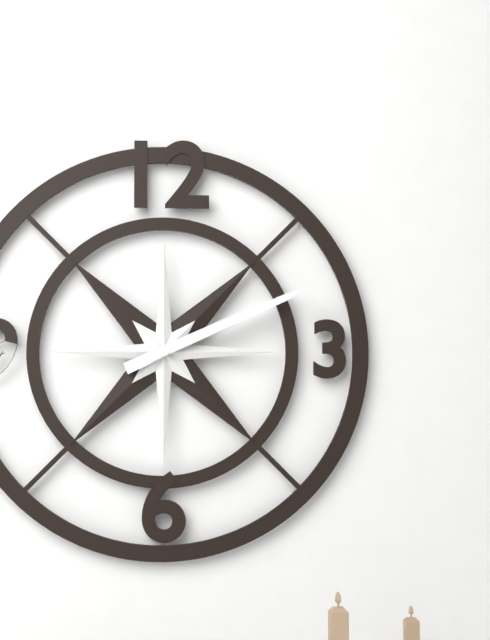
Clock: 2:11
